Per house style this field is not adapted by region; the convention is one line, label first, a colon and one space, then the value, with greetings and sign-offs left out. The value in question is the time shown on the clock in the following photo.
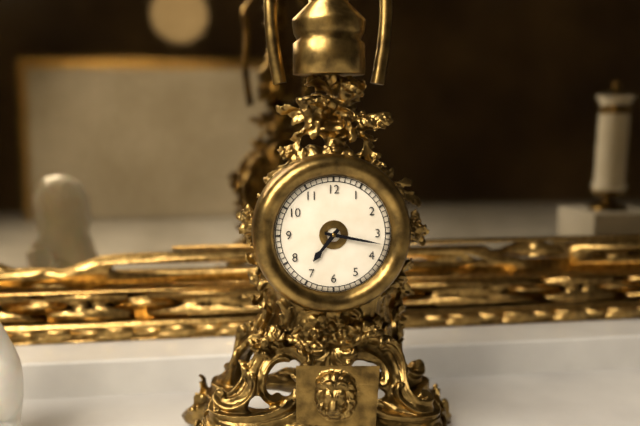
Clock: 7:17
